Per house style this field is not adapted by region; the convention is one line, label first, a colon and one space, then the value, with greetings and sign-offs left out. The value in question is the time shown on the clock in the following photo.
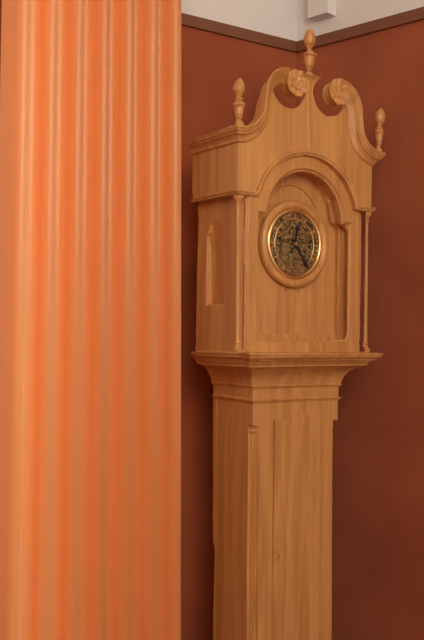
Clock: 12:24
